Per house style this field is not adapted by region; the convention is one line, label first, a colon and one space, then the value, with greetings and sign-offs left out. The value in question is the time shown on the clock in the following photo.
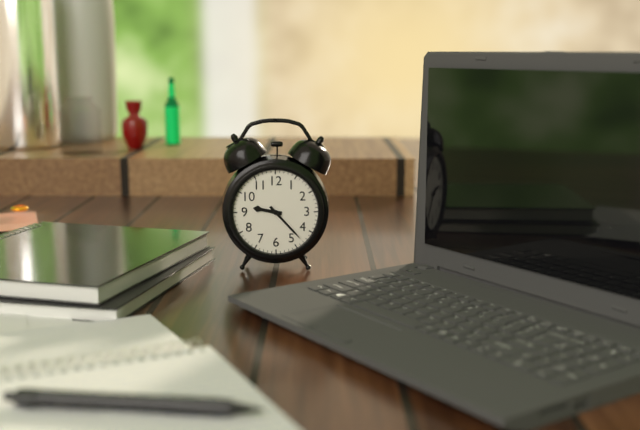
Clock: 9:23
